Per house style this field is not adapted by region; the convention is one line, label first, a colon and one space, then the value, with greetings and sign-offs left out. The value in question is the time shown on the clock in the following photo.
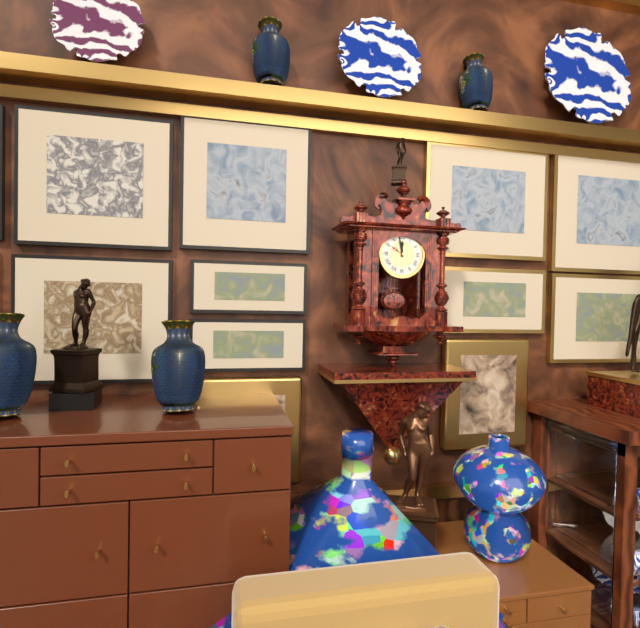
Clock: 11:58
